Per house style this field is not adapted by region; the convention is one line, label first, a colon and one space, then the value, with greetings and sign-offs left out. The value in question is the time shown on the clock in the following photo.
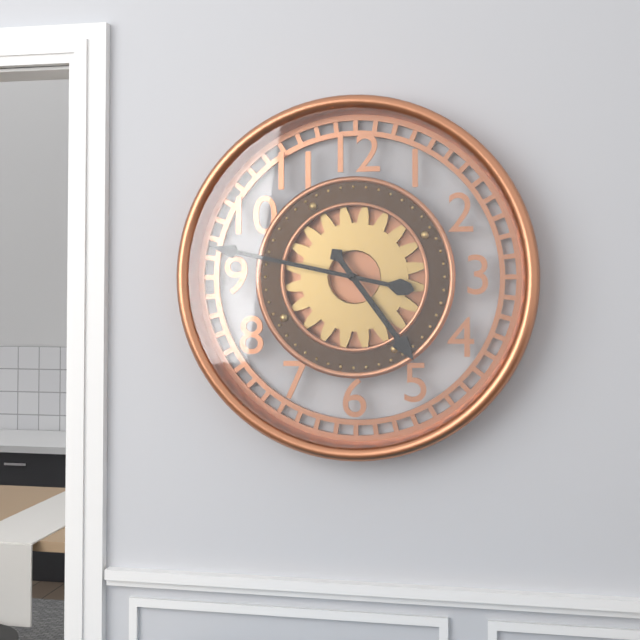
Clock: 4:47
